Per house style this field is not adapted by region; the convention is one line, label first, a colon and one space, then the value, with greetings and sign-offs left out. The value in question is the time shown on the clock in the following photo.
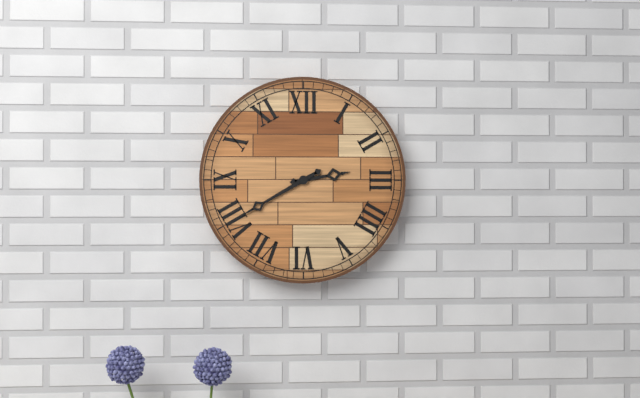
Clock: 2:40
